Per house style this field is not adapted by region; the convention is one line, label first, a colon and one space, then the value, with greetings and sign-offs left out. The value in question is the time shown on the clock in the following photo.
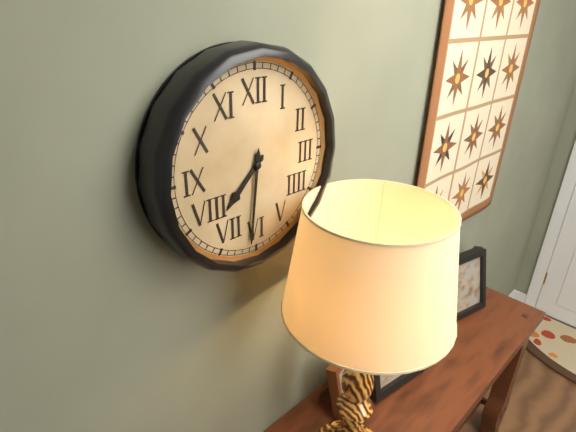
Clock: 7:31
